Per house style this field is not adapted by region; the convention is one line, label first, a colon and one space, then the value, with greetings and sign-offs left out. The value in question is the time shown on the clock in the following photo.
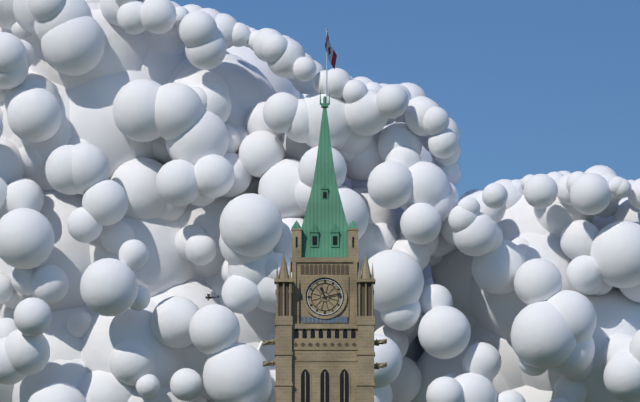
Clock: 11:13
